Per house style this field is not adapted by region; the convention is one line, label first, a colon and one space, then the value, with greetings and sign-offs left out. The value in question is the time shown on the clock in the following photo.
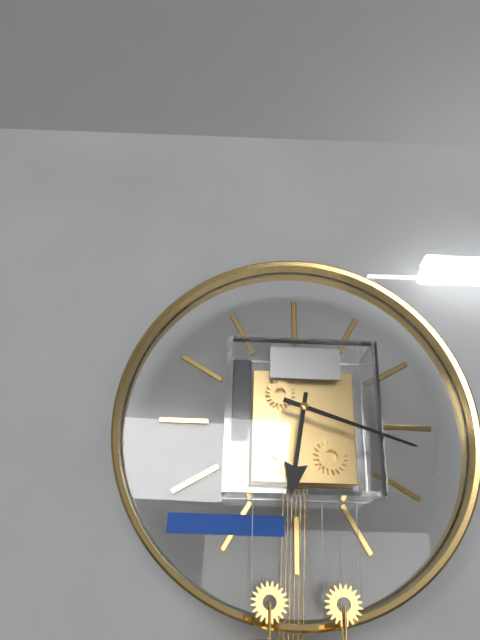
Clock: 6:18
